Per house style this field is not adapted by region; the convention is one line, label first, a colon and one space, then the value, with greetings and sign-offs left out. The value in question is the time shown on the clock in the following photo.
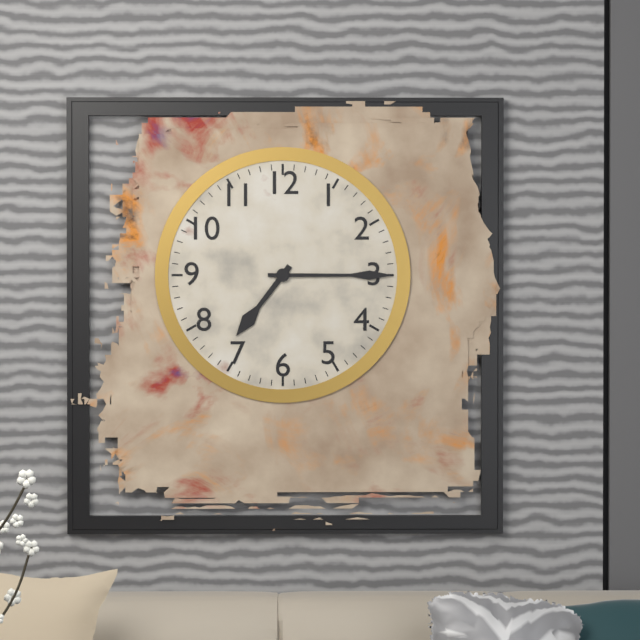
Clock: 7:15
